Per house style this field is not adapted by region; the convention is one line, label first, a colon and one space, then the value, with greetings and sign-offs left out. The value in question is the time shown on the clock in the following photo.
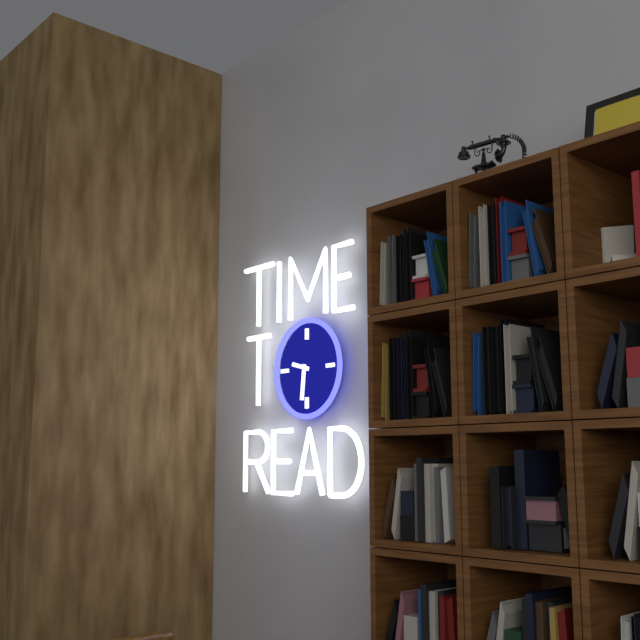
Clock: 9:31
